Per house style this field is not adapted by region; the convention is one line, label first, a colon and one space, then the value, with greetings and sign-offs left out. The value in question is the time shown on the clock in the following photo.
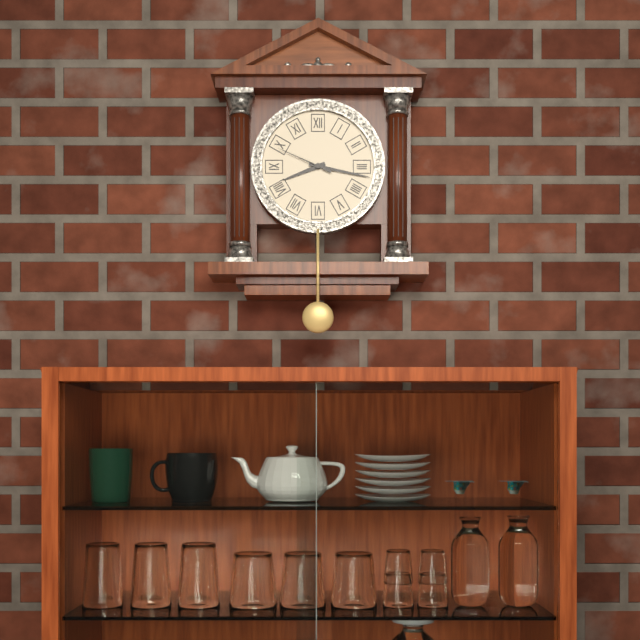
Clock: 8:17:49
